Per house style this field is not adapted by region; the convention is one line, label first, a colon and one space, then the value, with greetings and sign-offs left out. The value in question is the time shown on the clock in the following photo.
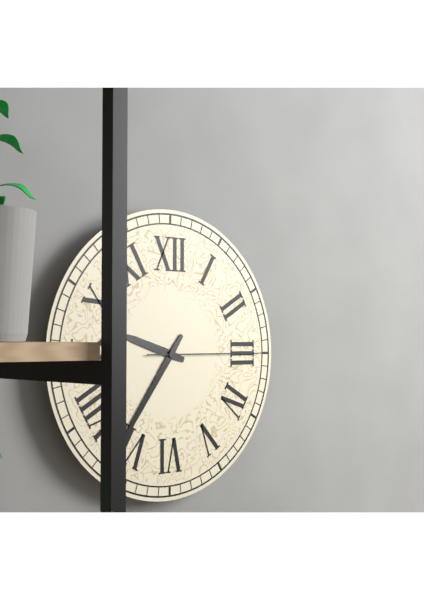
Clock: 9:36:15
